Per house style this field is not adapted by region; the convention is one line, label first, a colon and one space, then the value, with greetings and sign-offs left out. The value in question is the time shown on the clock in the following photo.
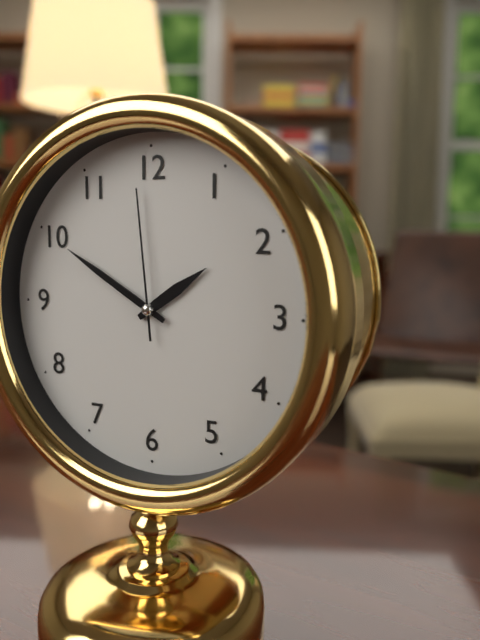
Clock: 1:50:59
